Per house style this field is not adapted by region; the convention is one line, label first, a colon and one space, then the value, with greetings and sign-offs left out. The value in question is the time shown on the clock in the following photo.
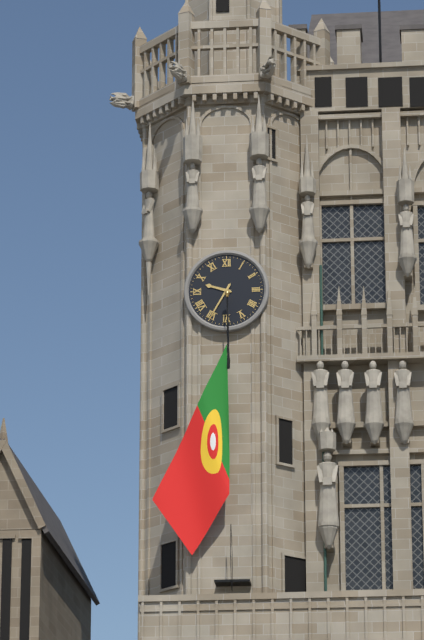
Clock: 9:35
